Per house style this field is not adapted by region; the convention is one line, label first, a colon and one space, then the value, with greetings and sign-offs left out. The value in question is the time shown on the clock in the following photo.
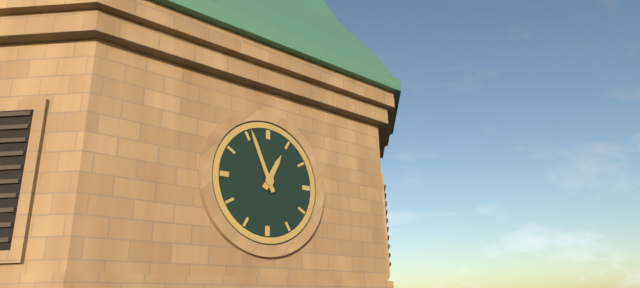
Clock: 12:56
